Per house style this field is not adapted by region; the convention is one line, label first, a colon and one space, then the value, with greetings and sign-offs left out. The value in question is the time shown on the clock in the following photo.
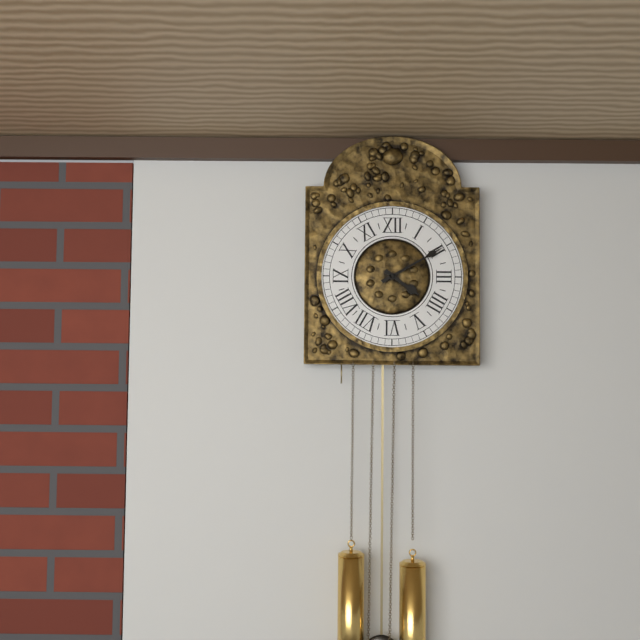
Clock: 4:10
